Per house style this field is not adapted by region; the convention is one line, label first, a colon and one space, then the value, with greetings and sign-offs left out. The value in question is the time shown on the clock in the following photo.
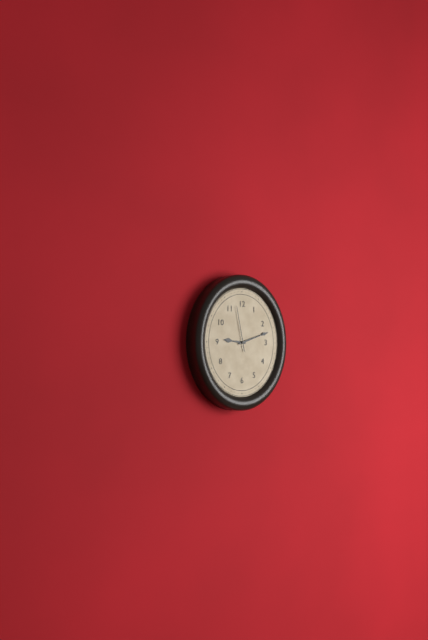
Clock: 9:12
